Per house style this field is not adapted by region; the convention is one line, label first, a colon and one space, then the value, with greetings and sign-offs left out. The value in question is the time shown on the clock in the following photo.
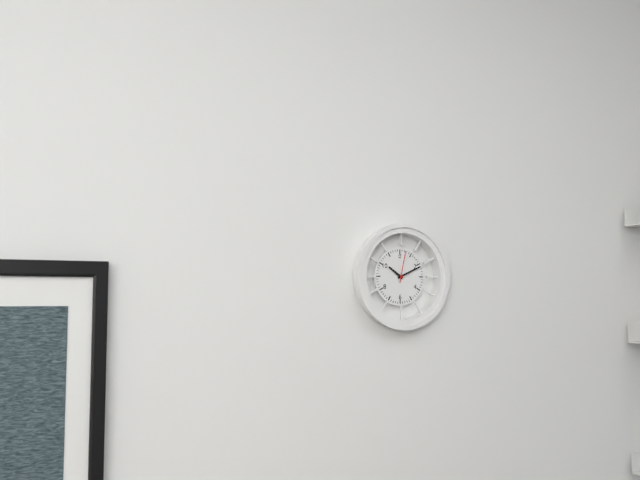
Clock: 10:11
